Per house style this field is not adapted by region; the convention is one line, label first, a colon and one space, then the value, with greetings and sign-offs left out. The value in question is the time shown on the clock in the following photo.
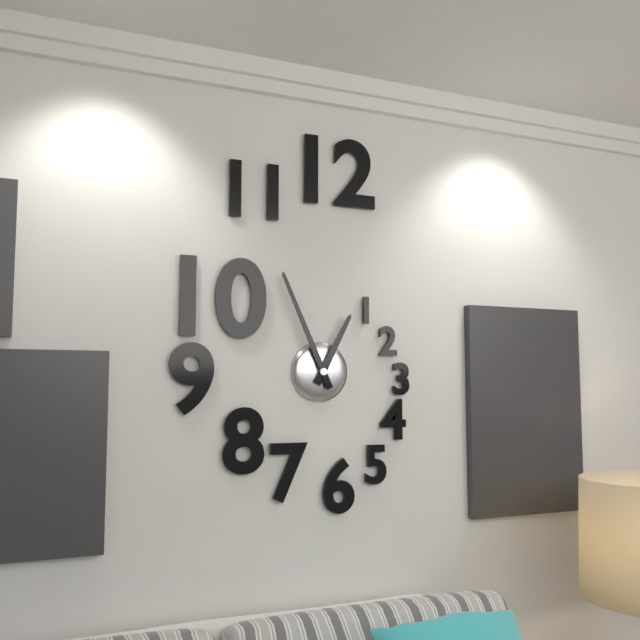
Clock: 12:56
